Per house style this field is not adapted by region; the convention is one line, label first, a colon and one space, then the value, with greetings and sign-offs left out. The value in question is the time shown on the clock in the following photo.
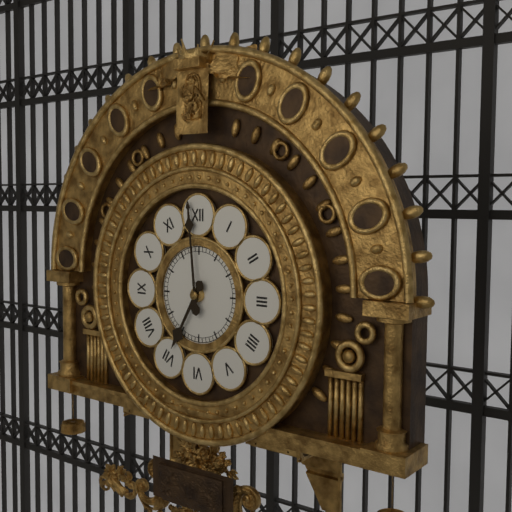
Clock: 6:59
